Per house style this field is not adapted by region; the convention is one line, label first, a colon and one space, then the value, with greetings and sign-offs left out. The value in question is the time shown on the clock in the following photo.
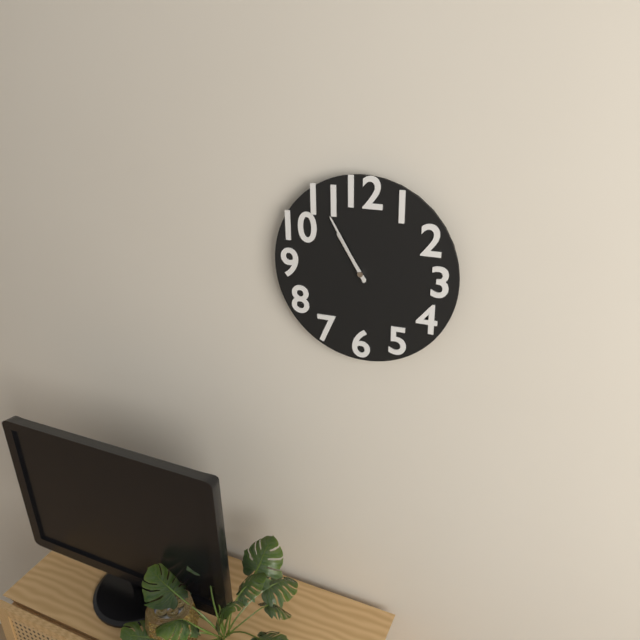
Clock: 10:55
